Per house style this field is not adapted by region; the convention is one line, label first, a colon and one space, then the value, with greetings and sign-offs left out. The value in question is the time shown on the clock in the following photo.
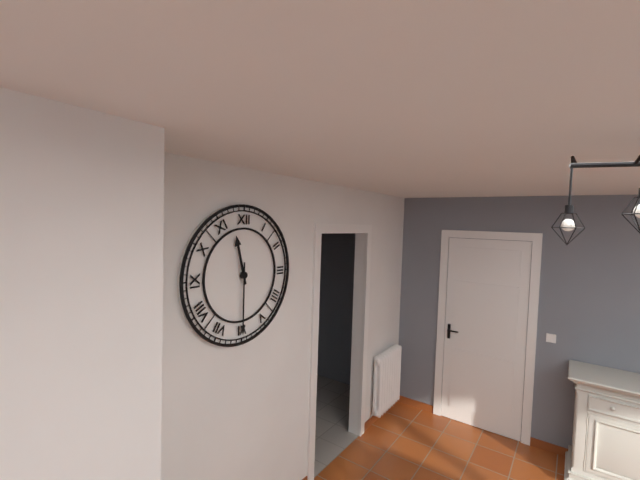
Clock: 11:30
